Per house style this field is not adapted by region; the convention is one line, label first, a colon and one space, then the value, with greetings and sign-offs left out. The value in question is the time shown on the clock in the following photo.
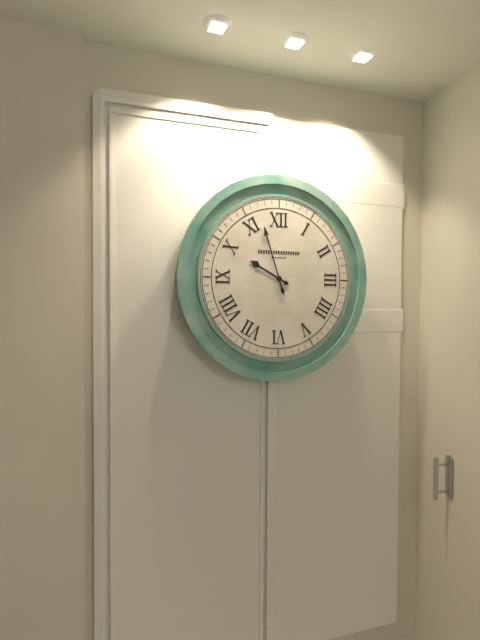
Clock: 9:57
